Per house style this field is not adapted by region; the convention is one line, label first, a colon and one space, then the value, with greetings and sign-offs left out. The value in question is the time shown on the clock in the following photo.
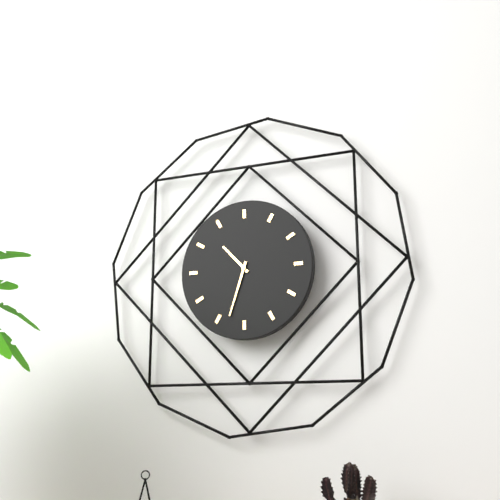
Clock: 10:33
